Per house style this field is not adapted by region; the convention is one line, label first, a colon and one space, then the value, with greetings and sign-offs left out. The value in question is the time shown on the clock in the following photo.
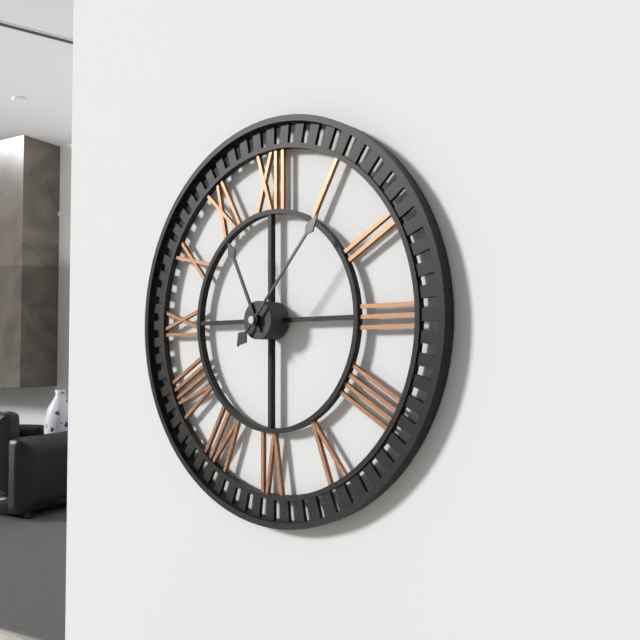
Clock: 11:07
